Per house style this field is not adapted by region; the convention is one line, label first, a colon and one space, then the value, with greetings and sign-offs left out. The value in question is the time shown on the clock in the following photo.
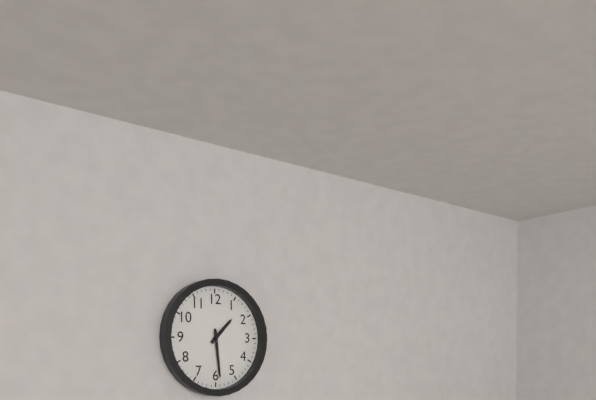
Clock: 1:29
